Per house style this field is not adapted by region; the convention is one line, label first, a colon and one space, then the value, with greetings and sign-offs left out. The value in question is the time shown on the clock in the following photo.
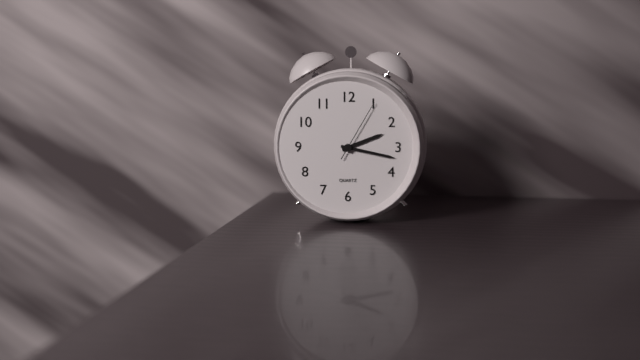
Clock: 2:17:05
